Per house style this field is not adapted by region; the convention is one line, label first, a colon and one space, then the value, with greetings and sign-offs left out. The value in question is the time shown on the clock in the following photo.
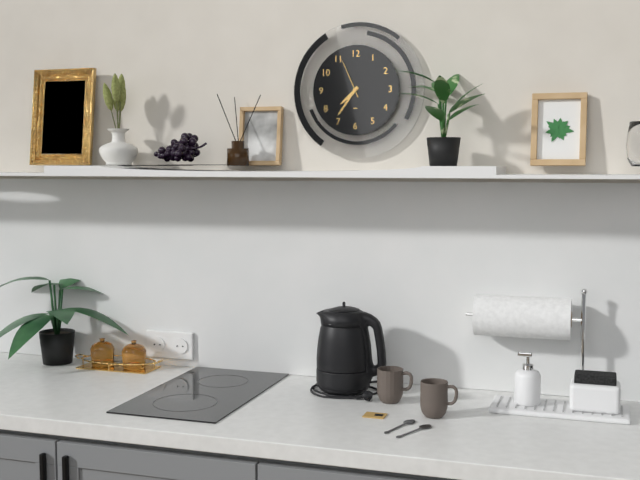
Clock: 7:36
